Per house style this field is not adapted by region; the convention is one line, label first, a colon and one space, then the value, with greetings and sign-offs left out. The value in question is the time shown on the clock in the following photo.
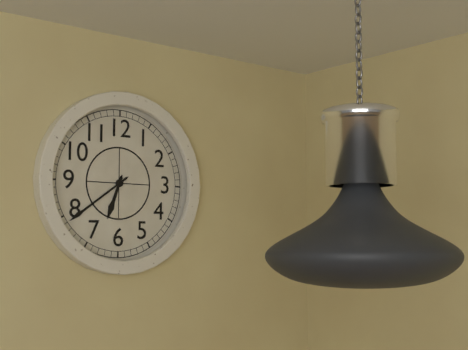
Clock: 6:39
